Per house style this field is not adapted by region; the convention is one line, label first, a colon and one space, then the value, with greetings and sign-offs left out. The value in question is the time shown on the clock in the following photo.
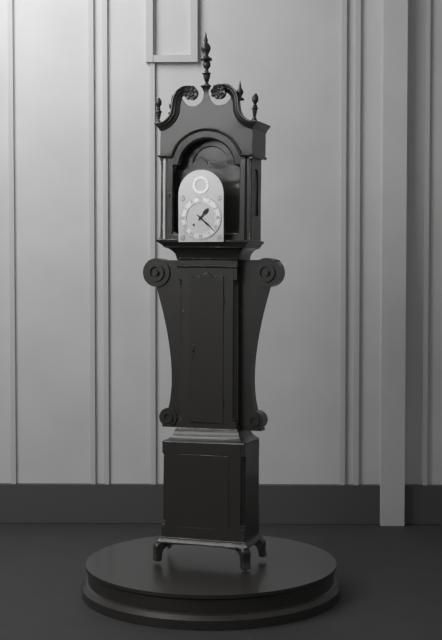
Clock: 1:22
